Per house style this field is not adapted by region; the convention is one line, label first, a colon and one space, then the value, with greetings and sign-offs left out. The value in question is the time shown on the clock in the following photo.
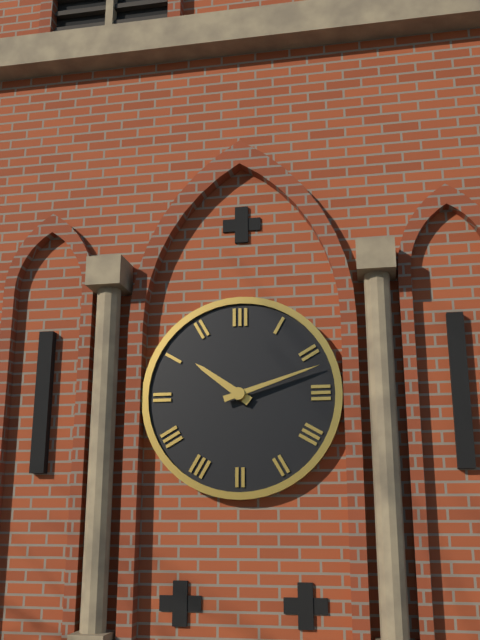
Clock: 10:12
